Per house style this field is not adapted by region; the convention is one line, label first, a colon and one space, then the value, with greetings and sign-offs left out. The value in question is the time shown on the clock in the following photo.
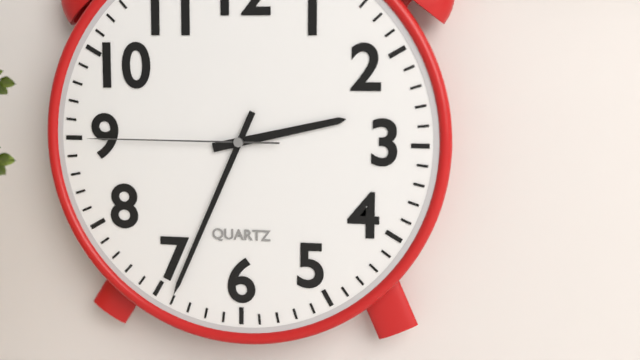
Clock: 2:34:45
